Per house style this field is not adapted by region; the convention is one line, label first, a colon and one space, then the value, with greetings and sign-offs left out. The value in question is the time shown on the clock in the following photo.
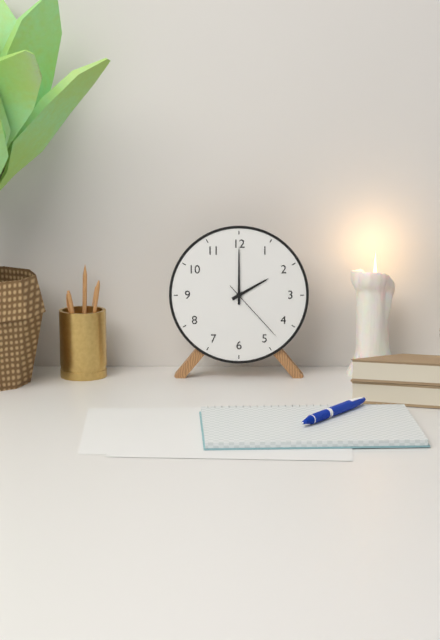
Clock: 2:00:23
